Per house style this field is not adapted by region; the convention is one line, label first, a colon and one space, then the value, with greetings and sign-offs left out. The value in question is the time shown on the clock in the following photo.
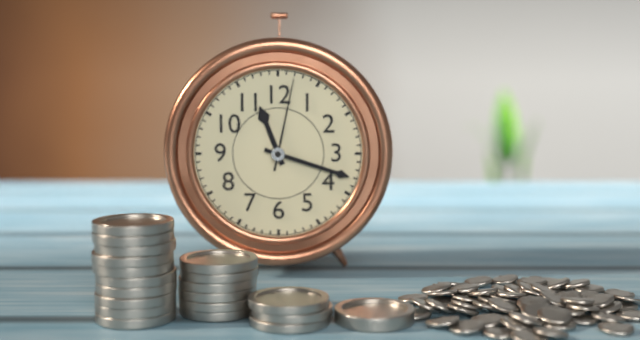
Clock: 11:18:02
